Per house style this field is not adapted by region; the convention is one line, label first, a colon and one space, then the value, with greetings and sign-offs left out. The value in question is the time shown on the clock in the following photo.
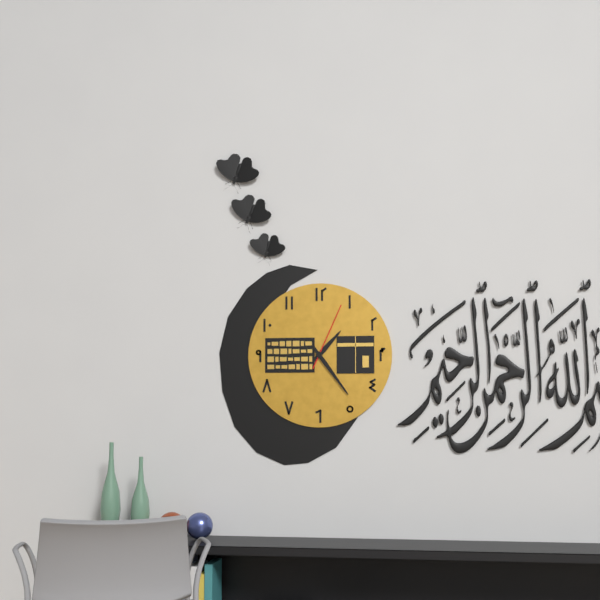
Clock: 1:24:04
